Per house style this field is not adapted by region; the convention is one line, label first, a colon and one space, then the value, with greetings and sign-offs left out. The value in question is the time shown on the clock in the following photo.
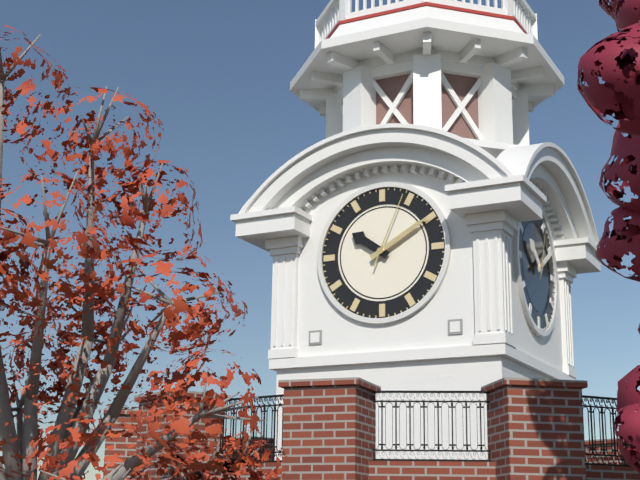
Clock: 10:10:04
